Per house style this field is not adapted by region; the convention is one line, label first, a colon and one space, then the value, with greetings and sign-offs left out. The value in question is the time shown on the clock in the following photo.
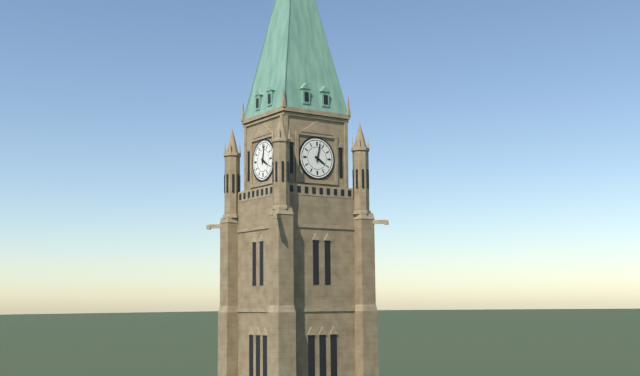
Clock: 4:02
